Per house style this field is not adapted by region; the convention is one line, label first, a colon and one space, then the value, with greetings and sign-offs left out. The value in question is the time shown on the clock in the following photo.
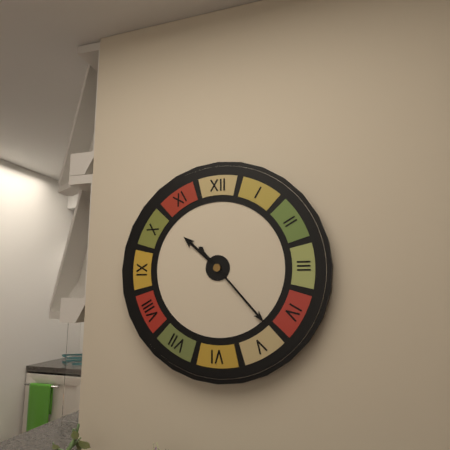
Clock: 10:23
